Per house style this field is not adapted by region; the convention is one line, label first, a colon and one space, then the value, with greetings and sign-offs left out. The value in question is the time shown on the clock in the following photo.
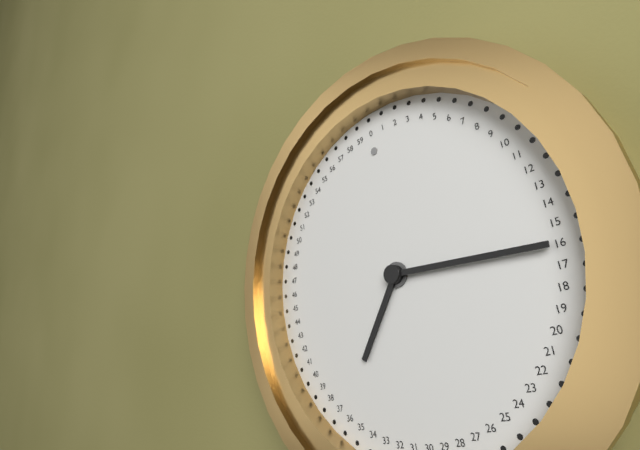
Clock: 7:16
